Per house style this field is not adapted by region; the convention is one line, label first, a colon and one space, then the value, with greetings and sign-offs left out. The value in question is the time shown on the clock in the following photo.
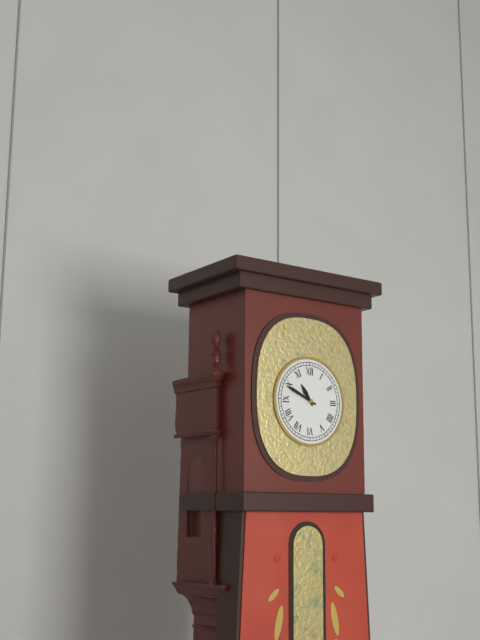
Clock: 10:49
